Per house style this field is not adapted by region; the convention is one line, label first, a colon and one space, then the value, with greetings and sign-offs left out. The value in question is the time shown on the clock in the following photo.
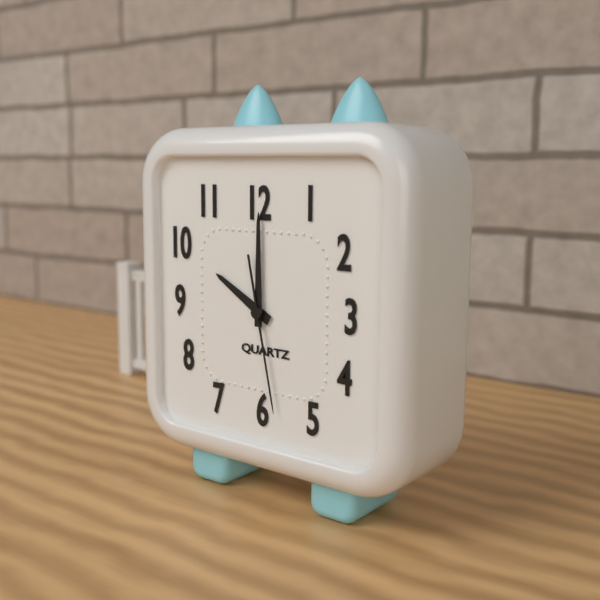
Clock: 10:00:28
